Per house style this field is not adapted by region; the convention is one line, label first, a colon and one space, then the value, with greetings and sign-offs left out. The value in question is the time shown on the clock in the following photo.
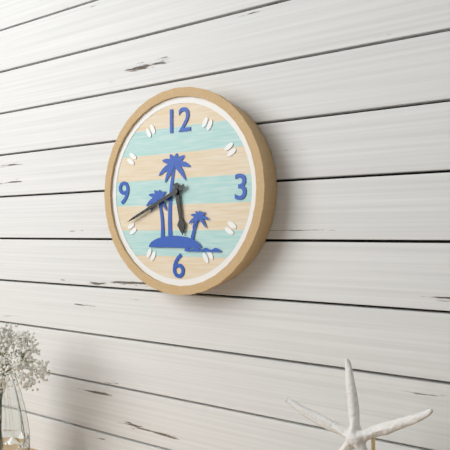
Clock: 5:41
